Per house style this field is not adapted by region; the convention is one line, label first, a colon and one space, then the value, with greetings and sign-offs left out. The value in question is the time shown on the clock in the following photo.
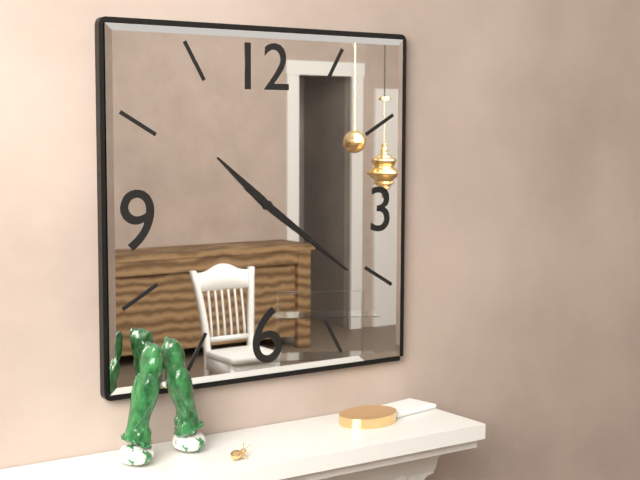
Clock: 10:21
